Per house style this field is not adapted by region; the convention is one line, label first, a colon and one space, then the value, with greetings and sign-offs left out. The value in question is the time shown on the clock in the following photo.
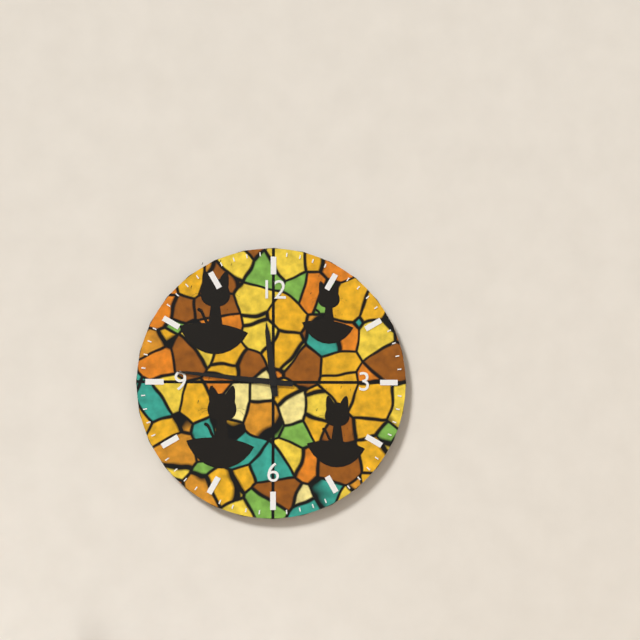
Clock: 11:46
